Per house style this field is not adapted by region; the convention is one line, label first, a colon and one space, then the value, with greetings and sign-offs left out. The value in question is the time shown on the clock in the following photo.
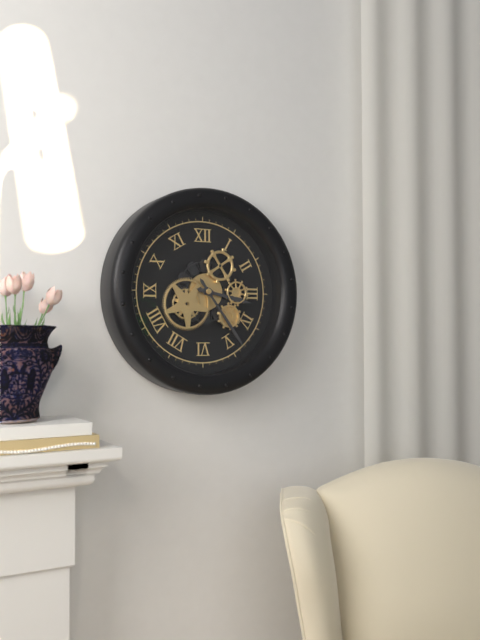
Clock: 3:24
